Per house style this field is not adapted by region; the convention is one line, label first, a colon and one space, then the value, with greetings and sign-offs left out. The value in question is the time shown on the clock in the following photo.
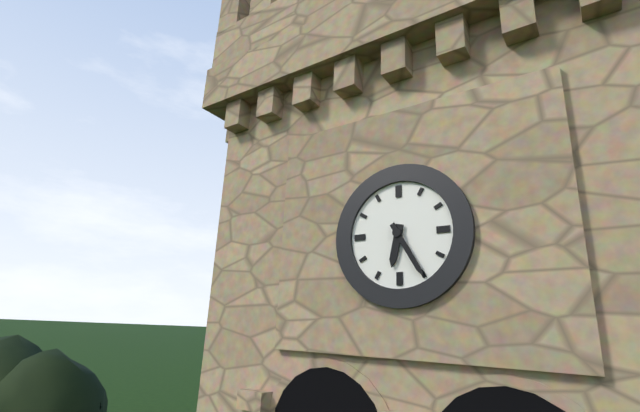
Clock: 6:25
